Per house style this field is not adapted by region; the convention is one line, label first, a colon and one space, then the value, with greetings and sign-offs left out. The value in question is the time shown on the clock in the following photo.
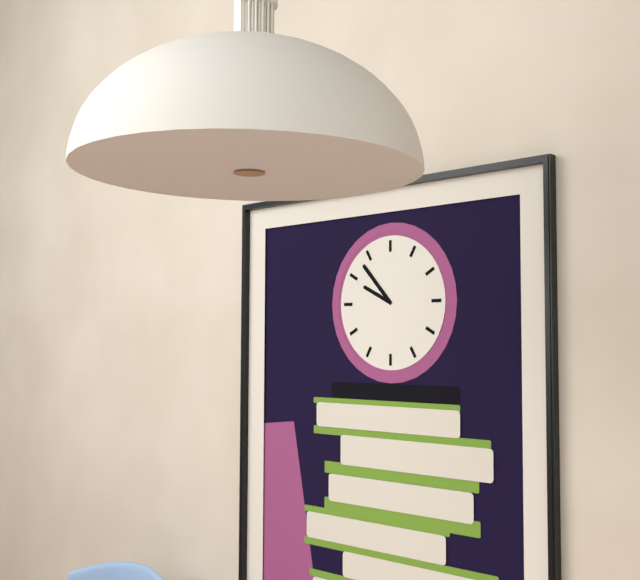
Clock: 9:53
